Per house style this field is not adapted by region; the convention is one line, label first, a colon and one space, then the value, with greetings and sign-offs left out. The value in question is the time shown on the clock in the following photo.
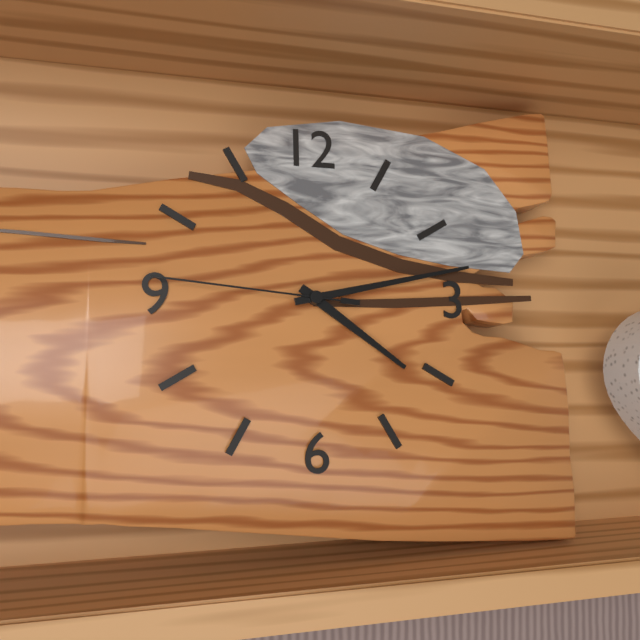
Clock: 4:13:46
